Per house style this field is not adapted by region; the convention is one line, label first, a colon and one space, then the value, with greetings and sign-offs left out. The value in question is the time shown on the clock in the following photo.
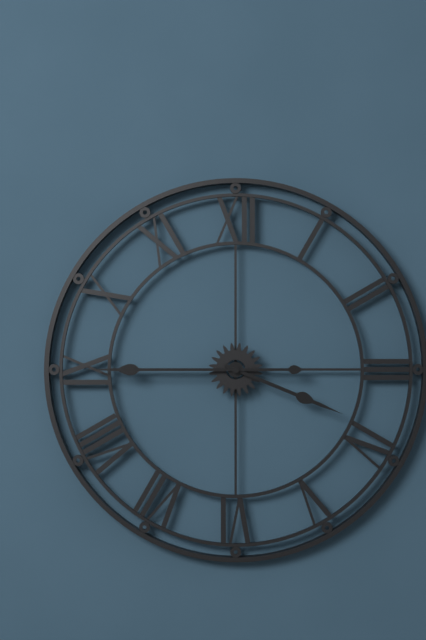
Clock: 3:45
